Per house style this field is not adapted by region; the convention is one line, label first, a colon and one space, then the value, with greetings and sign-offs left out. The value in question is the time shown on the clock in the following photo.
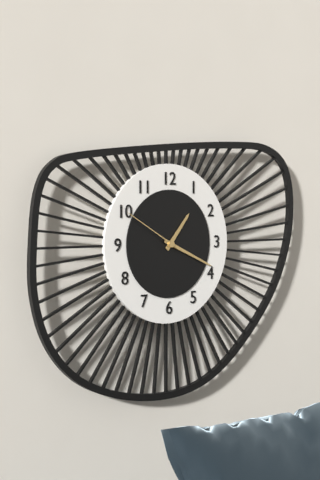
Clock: 1:19:50
